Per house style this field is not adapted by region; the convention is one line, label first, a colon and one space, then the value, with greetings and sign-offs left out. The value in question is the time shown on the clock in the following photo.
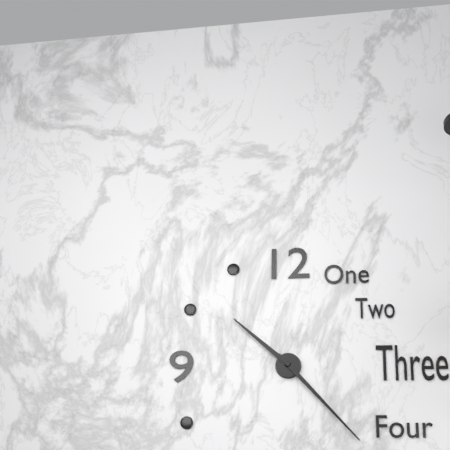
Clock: 10:23
